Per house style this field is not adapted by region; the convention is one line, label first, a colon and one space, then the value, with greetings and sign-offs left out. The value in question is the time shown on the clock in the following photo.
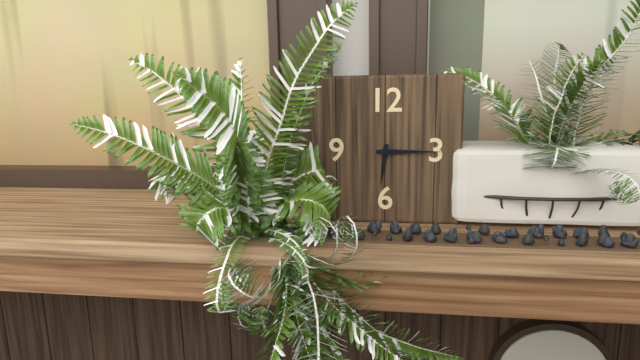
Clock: 6:15
